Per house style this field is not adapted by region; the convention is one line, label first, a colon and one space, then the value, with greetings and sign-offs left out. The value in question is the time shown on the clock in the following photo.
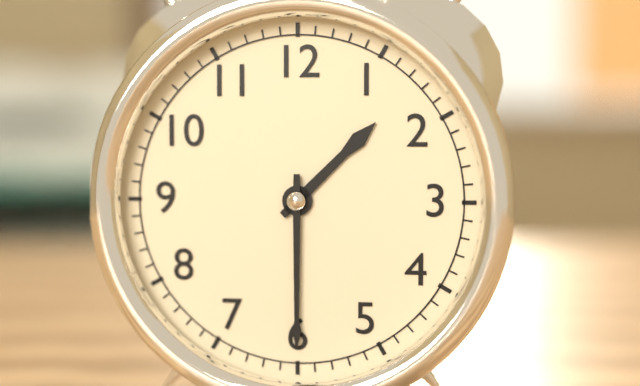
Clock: 1:30
